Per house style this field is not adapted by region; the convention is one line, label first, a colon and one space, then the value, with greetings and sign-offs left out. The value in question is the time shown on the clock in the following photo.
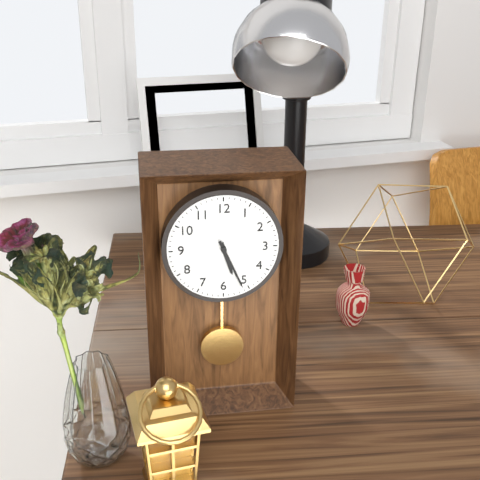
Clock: 5:26
